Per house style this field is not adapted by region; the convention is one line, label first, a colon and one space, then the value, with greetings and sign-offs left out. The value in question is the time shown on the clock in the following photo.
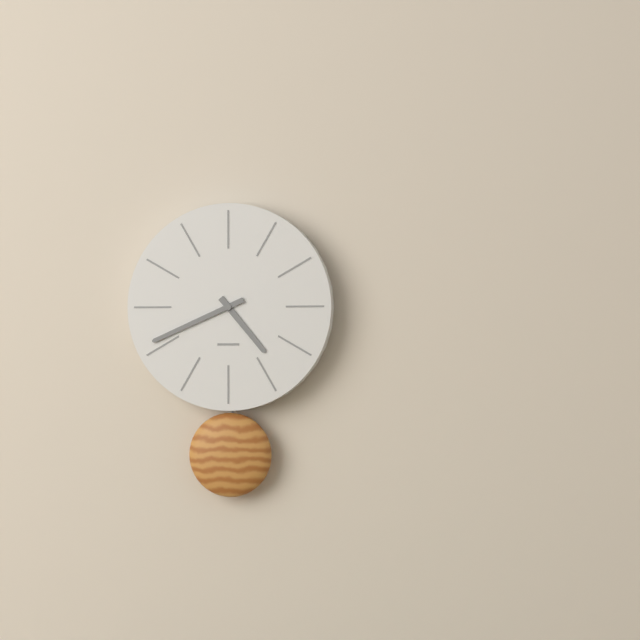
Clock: 4:41
